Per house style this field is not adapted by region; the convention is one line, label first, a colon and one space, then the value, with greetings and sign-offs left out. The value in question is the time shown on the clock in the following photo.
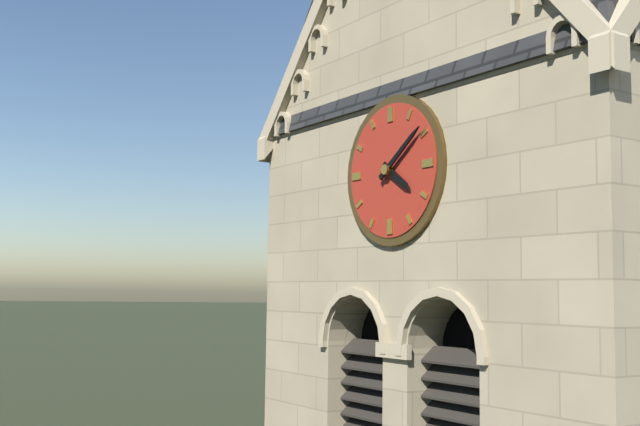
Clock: 4:09
